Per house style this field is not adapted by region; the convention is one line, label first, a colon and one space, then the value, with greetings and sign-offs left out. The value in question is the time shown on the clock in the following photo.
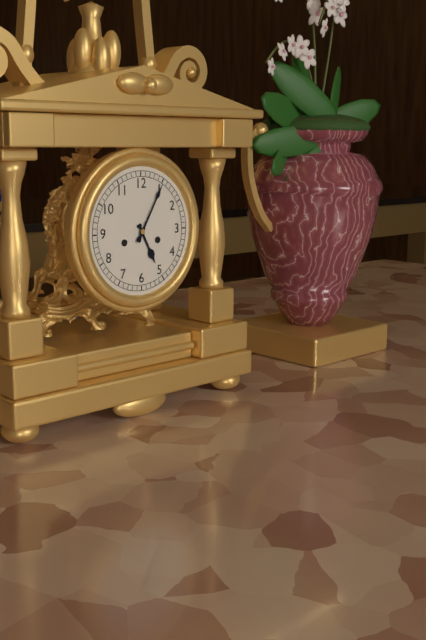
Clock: 5:05
